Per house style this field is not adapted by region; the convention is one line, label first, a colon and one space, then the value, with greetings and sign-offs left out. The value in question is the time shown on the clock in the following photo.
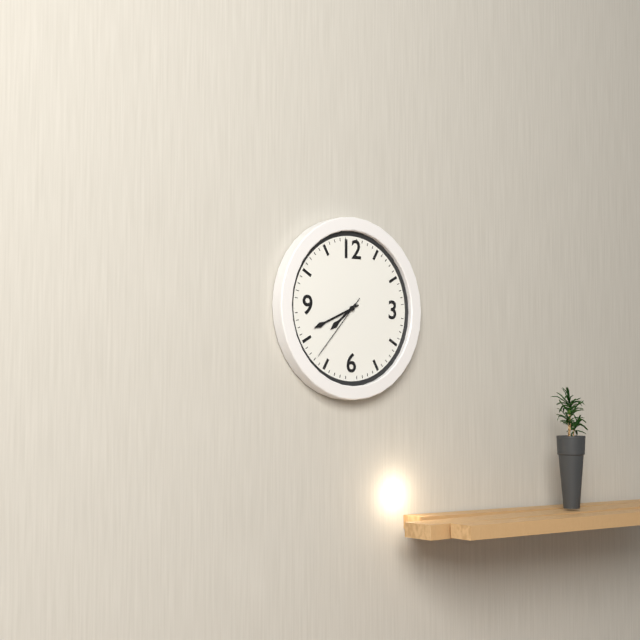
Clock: 7:41:37
